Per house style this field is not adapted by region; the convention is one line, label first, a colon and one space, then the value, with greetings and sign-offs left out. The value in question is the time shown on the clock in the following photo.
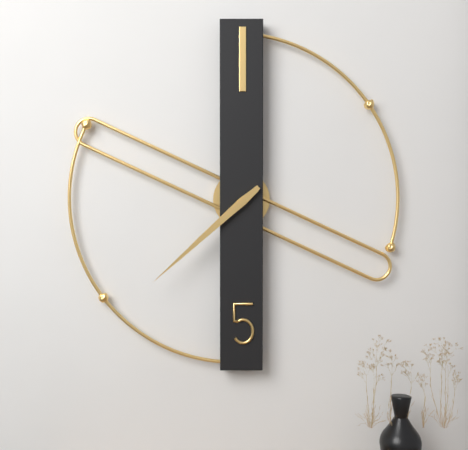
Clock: 7:38
